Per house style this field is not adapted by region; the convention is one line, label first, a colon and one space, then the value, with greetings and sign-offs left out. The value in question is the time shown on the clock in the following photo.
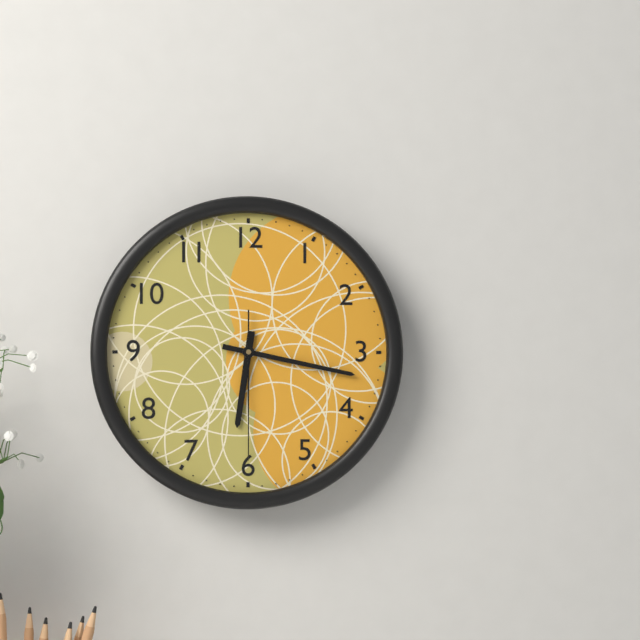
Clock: 6:17:30
